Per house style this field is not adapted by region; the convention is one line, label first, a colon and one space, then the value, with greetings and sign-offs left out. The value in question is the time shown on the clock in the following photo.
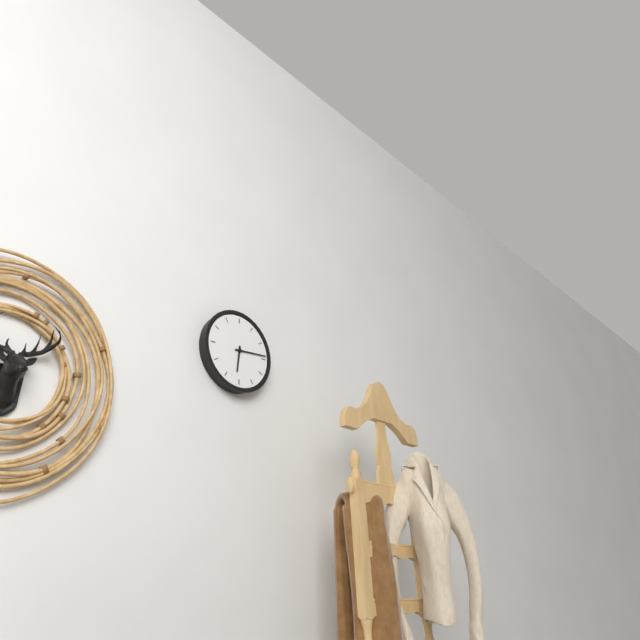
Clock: 6:14
